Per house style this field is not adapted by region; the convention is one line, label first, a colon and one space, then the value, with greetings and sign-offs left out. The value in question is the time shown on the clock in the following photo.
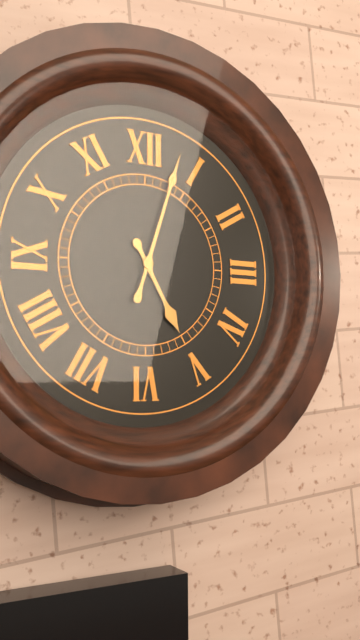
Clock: 5:03
